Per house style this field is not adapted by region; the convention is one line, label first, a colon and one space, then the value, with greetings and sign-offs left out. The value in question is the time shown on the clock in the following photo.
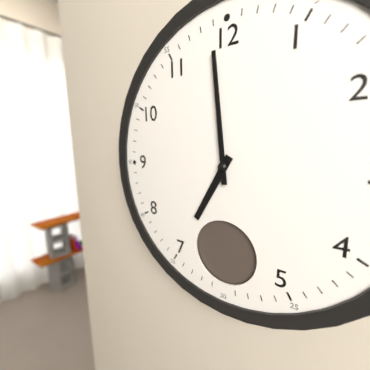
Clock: 6:59
